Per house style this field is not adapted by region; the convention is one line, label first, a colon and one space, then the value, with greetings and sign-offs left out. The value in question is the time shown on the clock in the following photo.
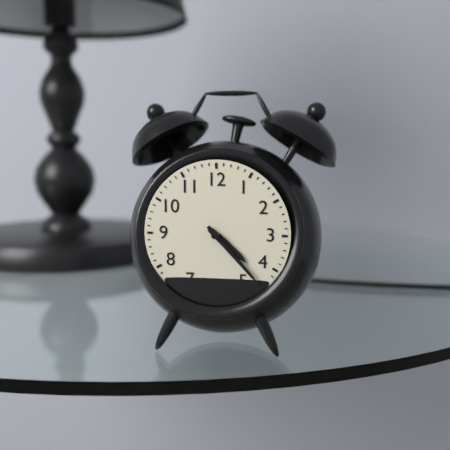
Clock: 4:23
